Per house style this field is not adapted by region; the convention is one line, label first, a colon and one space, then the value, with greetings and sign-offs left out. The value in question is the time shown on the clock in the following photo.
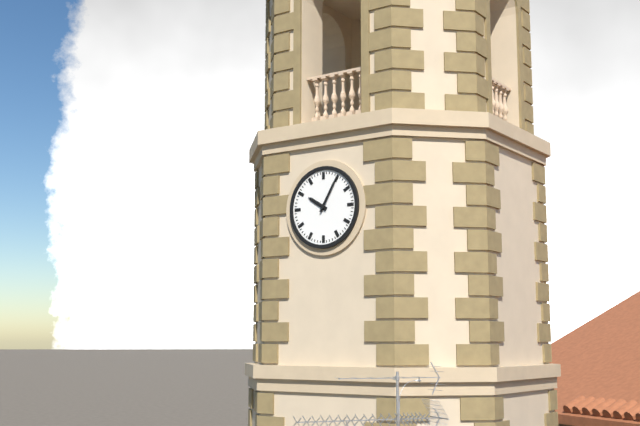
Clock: 10:05
